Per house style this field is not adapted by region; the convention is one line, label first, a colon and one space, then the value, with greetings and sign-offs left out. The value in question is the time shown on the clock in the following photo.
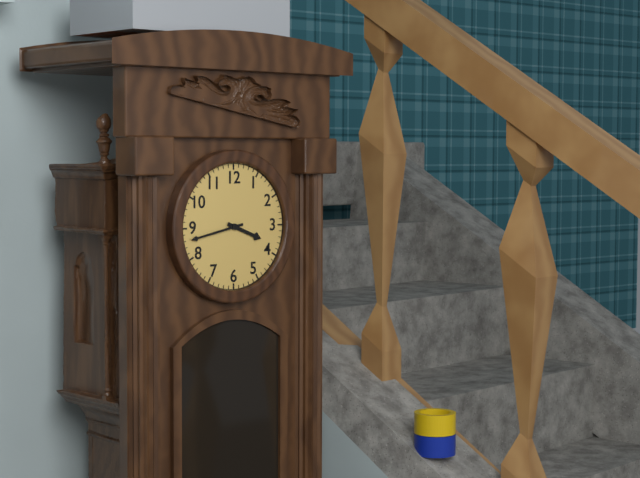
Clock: 3:43
